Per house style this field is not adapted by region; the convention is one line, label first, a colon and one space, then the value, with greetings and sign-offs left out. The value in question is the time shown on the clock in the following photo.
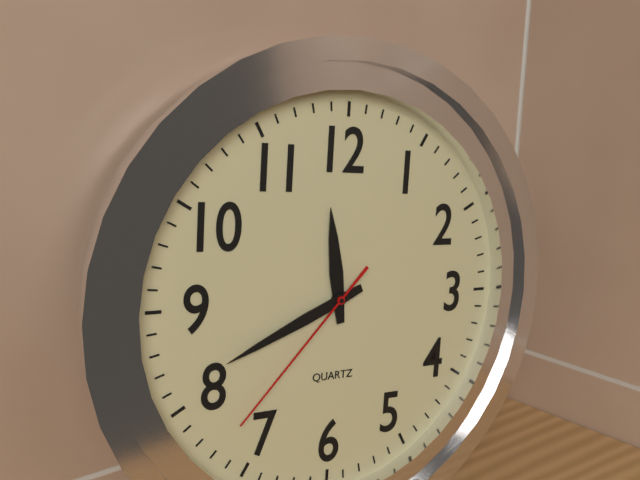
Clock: 11:41:37
